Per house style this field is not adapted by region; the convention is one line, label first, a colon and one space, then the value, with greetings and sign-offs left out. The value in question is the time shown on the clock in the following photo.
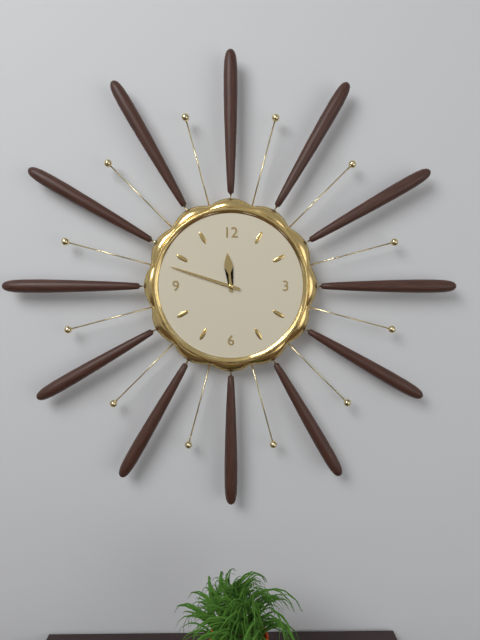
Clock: 11:48
